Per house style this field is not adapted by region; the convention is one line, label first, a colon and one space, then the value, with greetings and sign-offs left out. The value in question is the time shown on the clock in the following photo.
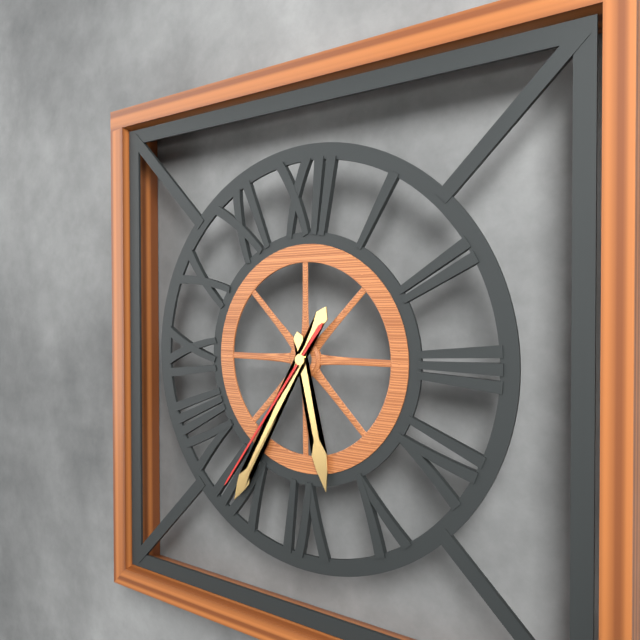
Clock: 5:35:36
